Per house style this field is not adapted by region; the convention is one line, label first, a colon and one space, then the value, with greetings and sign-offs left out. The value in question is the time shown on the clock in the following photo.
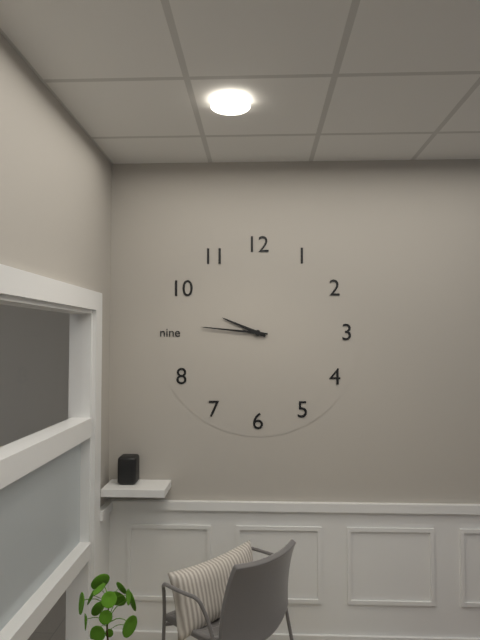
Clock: 9:46
